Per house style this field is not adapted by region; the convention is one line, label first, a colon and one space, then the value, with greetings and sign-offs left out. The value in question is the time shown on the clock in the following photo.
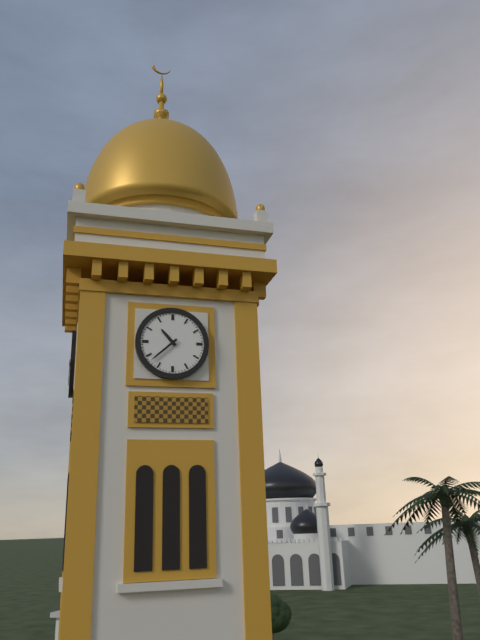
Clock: 10:38
